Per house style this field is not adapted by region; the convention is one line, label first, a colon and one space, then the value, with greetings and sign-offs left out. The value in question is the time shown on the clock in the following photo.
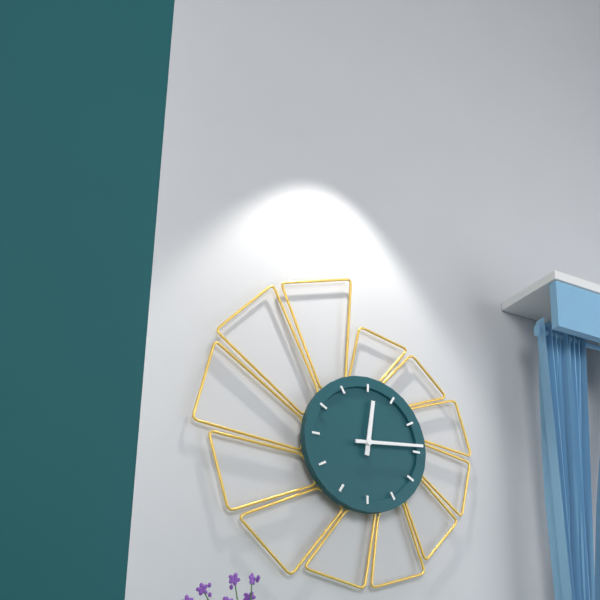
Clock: 12:14
